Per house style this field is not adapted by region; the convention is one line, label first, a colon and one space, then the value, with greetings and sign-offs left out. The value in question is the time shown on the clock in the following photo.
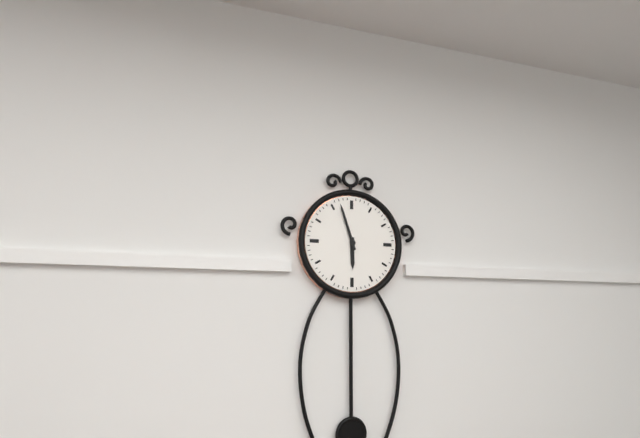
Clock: 5:57
